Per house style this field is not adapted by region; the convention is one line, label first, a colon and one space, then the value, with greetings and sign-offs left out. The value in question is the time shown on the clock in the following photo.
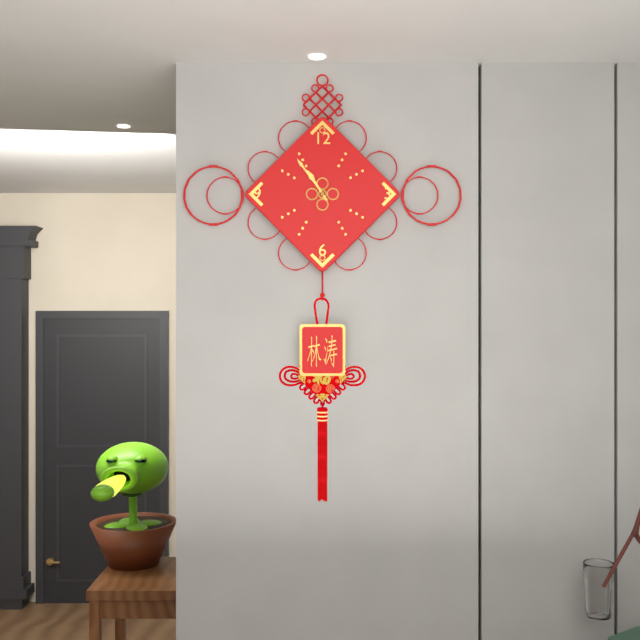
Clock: 10:54
